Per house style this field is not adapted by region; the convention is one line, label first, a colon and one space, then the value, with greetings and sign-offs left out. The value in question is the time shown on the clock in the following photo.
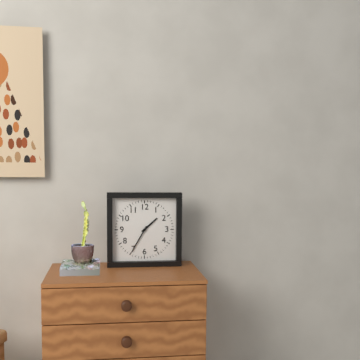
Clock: 1:35
